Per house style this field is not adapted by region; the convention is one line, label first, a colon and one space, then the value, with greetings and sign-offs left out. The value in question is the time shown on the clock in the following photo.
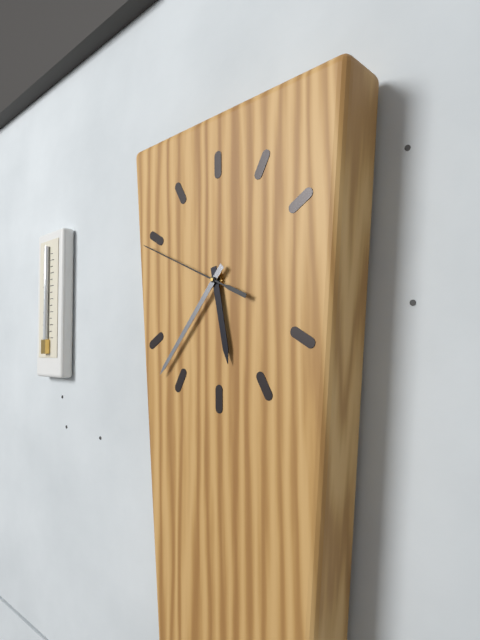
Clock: 5:37:49
